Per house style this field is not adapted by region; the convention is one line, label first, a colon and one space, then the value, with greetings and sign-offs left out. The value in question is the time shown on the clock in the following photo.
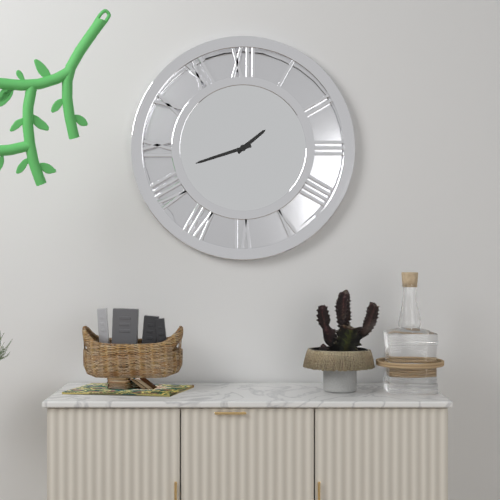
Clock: 1:42
